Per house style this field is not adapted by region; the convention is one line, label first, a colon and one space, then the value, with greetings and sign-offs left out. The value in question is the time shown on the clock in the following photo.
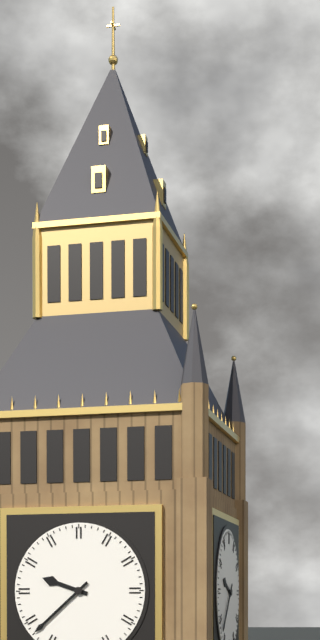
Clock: 9:38
